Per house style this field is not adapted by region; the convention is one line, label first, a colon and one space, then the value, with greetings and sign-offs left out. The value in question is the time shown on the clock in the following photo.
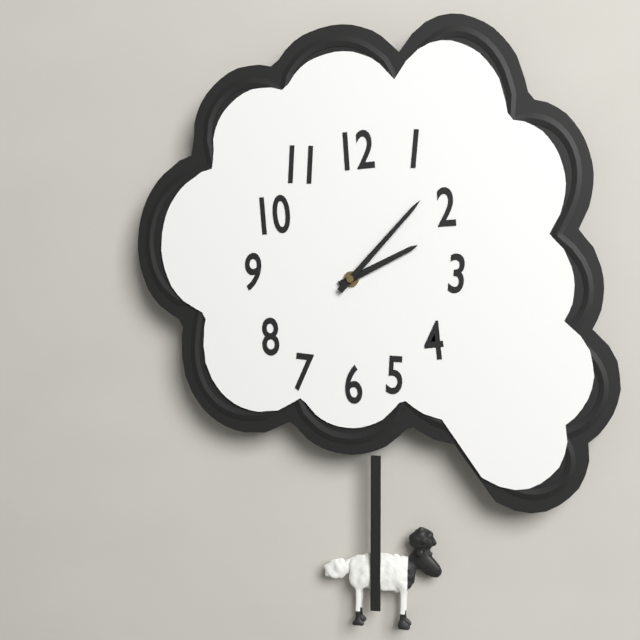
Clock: 2:07
